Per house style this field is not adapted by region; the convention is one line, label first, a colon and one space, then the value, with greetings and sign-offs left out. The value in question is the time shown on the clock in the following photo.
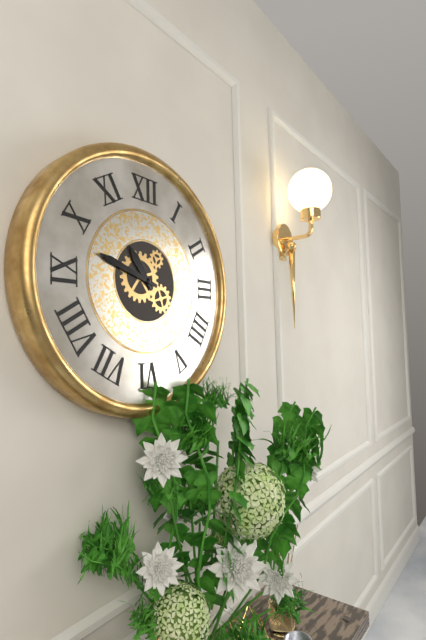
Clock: 10:48
